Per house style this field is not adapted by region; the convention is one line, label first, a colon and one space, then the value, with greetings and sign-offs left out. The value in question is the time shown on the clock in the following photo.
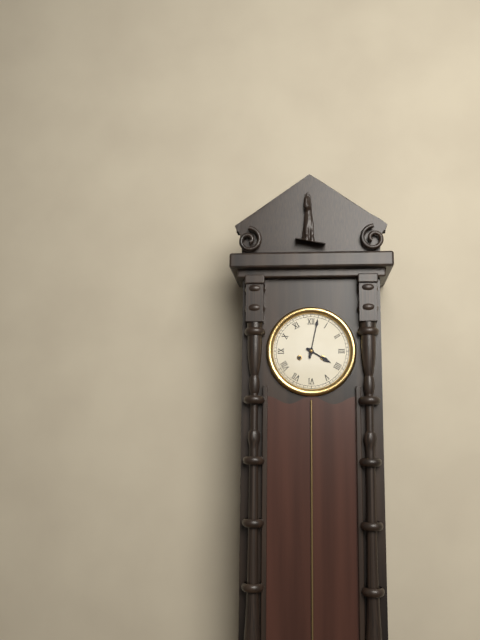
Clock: 4:02
